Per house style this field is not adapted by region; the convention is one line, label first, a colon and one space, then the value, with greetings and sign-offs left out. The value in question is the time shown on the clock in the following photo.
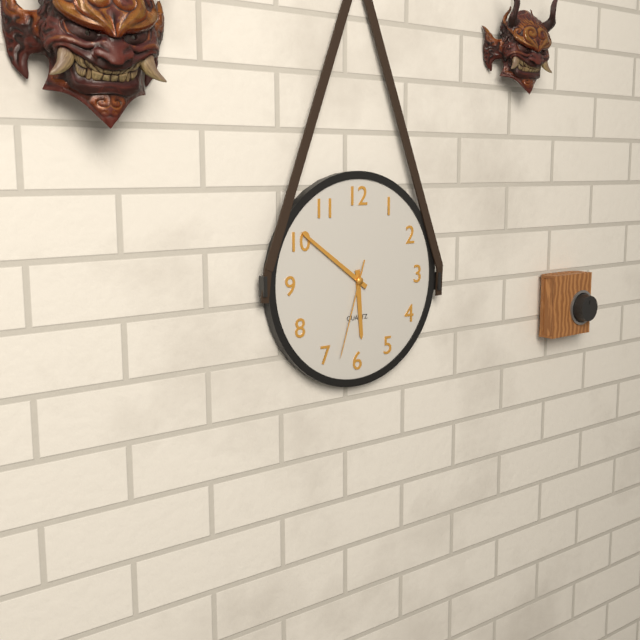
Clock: 5:51:33
